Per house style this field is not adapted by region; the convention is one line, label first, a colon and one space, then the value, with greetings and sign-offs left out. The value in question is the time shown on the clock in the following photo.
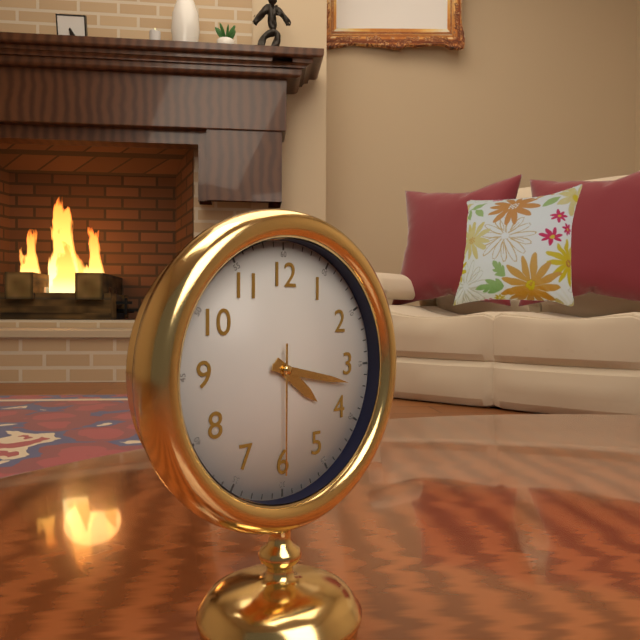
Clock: 4:17:30
